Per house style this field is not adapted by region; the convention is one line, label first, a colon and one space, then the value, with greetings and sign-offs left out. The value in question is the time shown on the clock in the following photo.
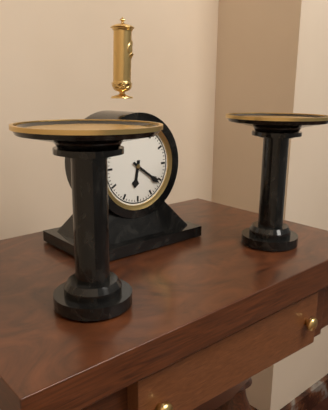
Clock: 6:21
